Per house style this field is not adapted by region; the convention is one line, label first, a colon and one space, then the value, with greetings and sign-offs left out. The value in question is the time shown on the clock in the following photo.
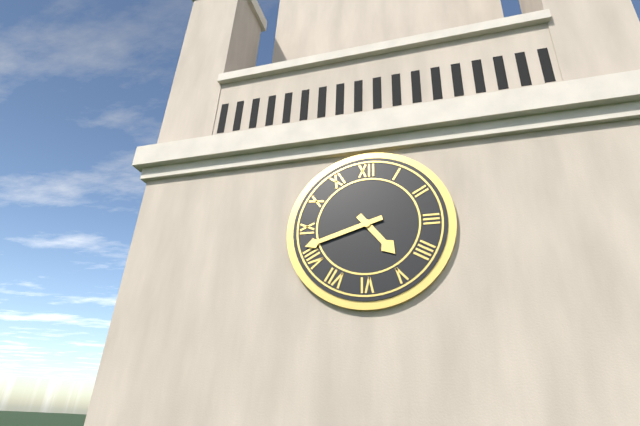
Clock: 4:42
